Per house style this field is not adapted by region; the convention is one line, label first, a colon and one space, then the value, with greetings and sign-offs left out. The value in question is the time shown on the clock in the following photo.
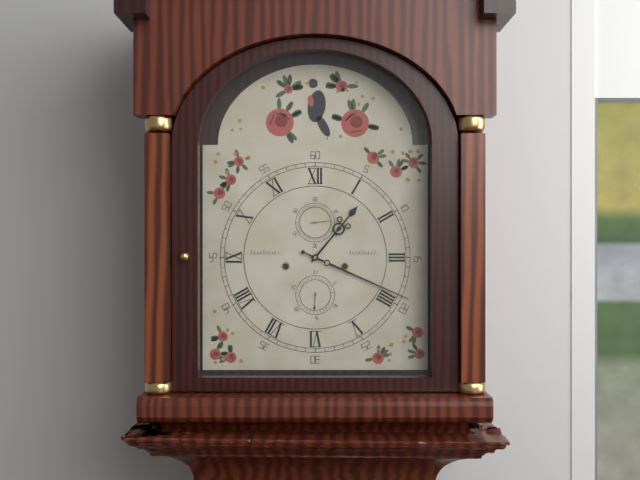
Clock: 1:19
